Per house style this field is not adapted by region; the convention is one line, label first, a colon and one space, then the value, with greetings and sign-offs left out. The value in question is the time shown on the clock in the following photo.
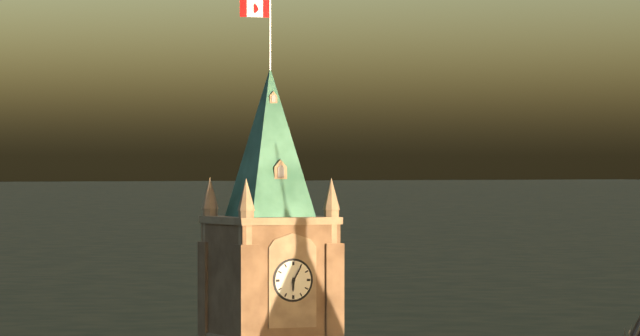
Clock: 6:05
